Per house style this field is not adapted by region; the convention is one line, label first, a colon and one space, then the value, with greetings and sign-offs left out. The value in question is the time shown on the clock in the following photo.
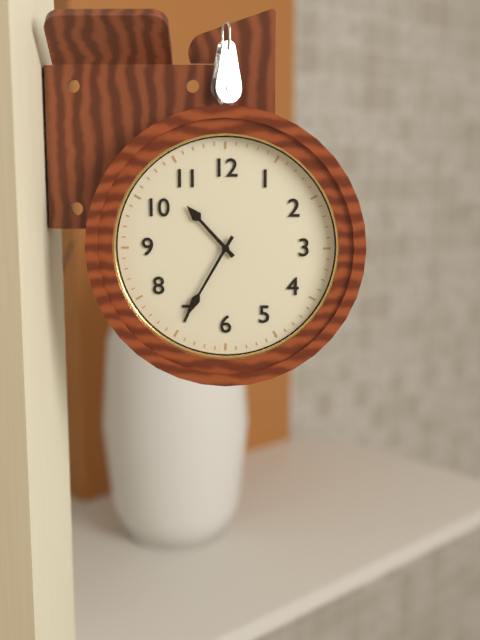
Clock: 10:35
